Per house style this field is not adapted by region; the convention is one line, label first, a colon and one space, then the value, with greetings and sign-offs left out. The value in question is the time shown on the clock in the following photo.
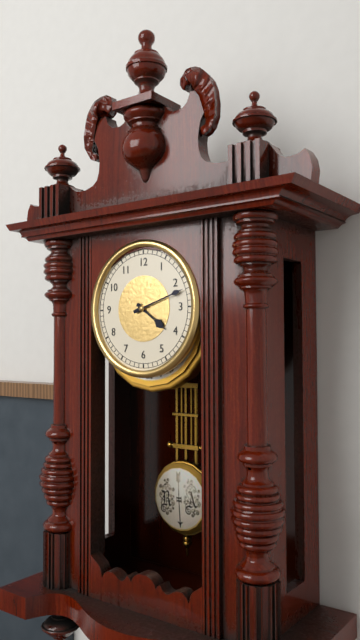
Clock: 4:12
